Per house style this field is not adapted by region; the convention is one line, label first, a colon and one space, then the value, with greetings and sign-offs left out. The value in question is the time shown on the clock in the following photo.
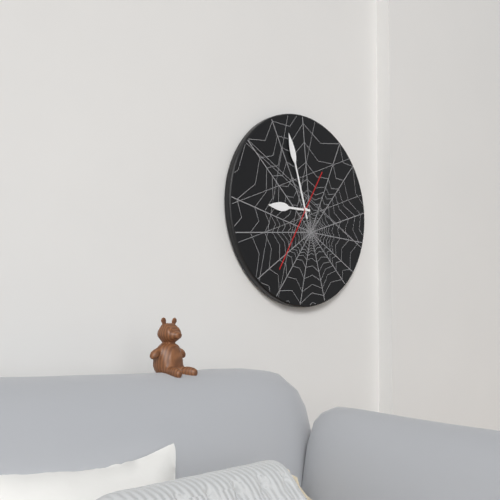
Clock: 8:57:35
